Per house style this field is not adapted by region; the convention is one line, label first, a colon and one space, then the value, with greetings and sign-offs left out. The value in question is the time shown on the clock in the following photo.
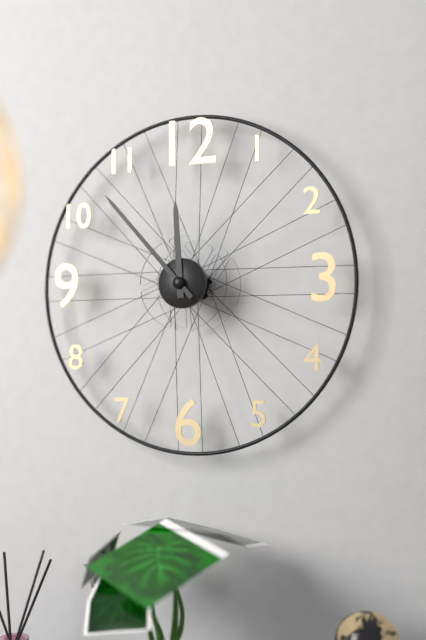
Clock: 11:53
